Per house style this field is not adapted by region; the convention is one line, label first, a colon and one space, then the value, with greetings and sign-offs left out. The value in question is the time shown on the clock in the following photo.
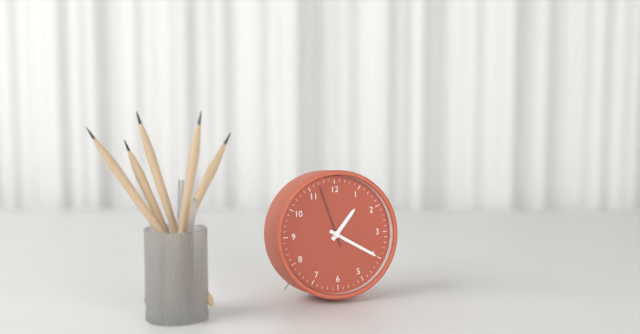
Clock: 1:20:57
